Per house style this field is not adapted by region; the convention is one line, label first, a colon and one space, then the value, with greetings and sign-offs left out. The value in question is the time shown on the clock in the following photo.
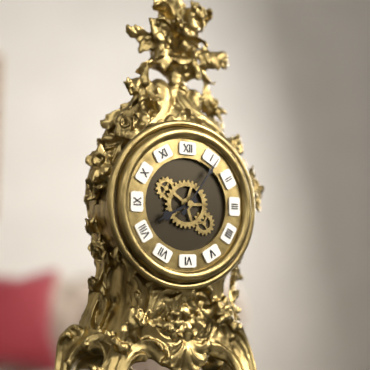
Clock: 8:06
